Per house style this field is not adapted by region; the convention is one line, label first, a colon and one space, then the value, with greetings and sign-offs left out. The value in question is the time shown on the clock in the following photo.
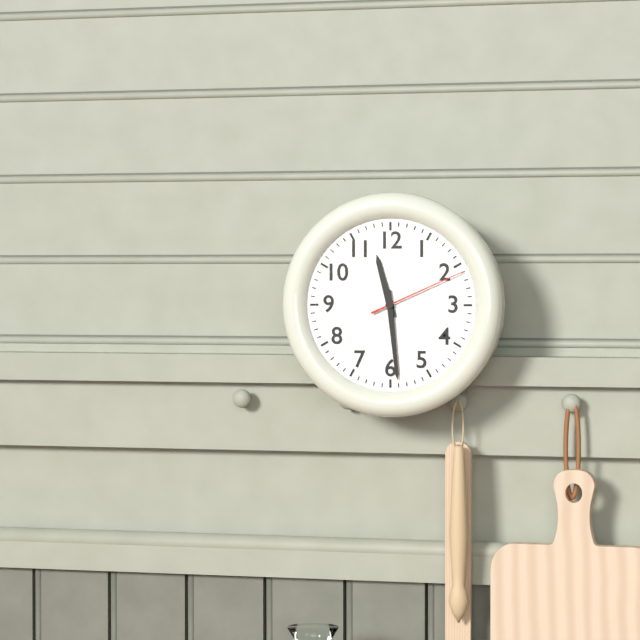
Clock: 11:29:11
